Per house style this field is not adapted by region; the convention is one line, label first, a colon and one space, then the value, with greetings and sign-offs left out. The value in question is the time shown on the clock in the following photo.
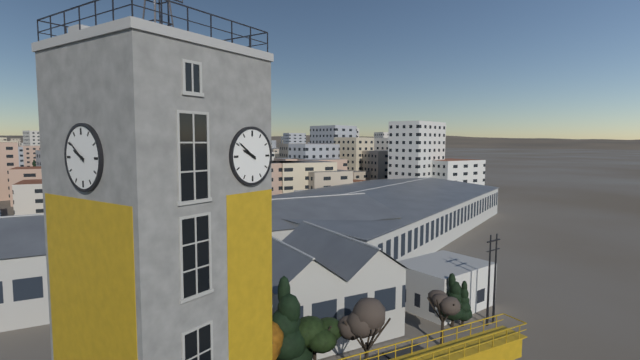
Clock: 9:51
